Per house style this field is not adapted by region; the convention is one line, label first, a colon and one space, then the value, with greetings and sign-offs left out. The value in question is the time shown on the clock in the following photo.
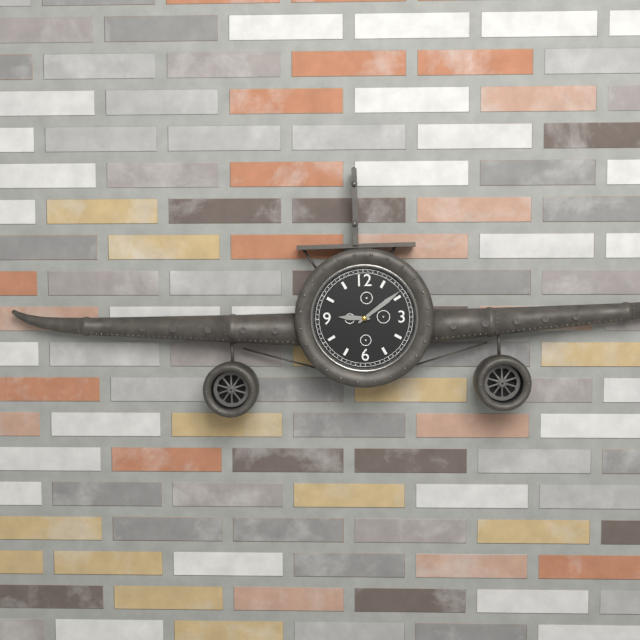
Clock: 9:09
